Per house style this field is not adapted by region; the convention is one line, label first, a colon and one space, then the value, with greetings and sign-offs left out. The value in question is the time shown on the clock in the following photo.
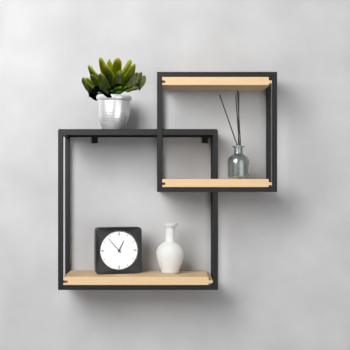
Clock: 12:53
